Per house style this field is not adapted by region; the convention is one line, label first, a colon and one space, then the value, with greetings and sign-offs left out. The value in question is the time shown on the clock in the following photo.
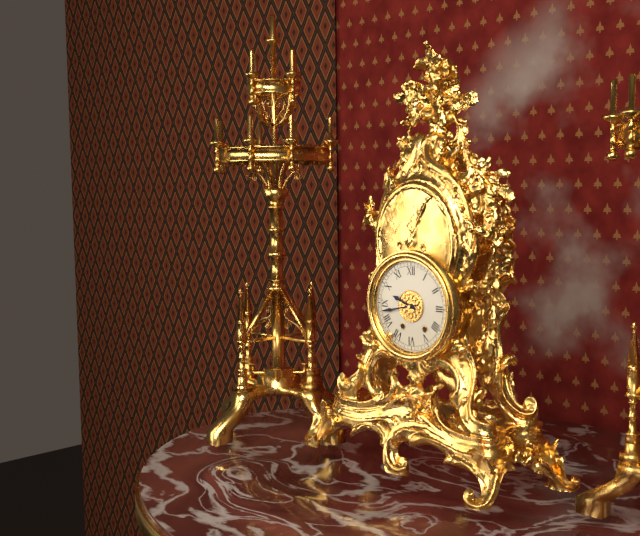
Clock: 9:43
